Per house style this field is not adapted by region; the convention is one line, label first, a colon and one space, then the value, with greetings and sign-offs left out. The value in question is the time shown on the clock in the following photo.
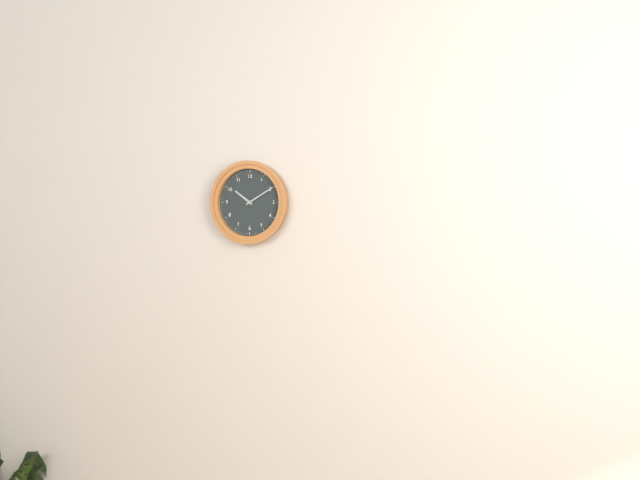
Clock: 10:10
